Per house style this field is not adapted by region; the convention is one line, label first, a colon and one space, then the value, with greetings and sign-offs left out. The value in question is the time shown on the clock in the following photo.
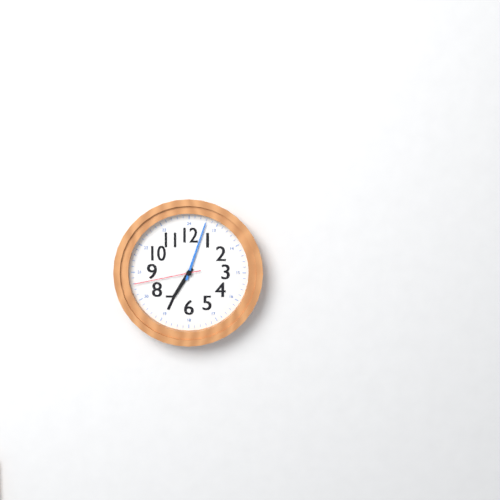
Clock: 7:03:43
